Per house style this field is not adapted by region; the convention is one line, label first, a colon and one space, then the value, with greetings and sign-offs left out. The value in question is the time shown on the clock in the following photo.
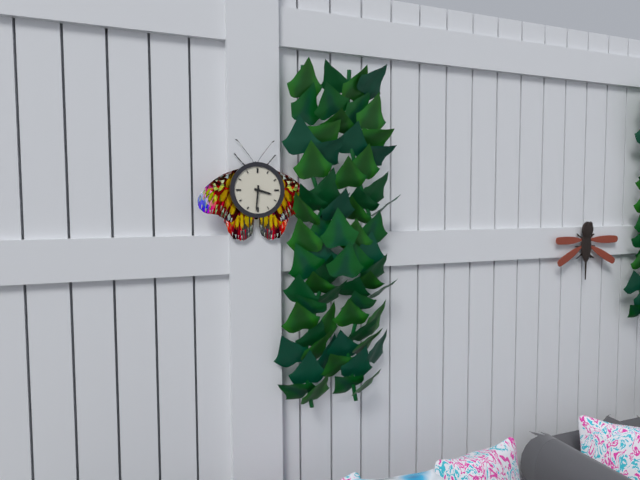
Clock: 3:31
